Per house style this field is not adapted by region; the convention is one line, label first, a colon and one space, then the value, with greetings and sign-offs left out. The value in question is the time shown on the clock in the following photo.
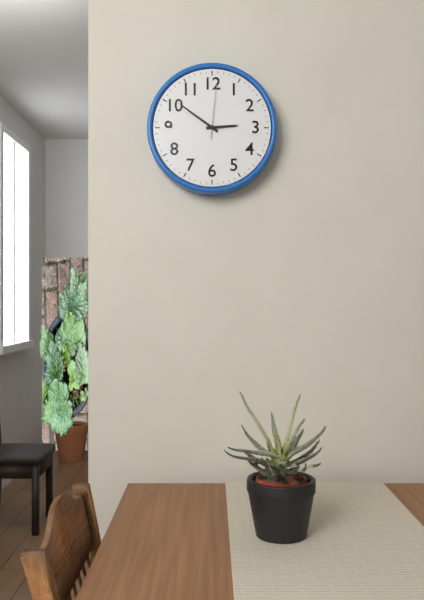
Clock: 2:51:01
